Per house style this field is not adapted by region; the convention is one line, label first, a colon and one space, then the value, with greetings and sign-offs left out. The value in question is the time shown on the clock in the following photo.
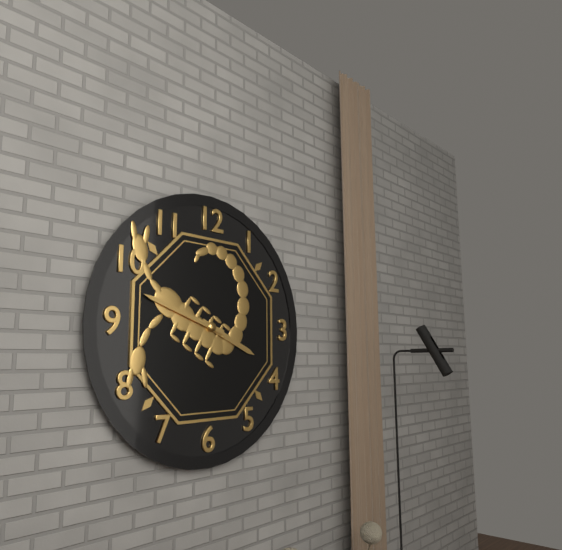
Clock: 3:48
